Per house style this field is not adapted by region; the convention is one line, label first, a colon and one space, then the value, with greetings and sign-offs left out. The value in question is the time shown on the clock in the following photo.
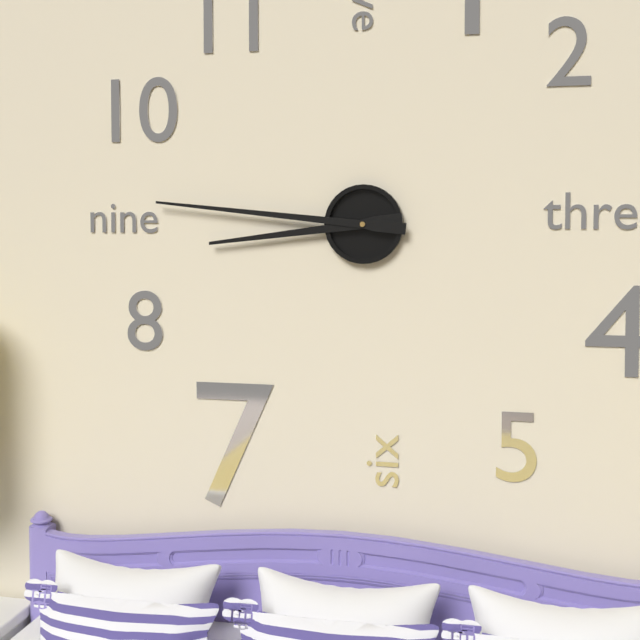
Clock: 8:46
